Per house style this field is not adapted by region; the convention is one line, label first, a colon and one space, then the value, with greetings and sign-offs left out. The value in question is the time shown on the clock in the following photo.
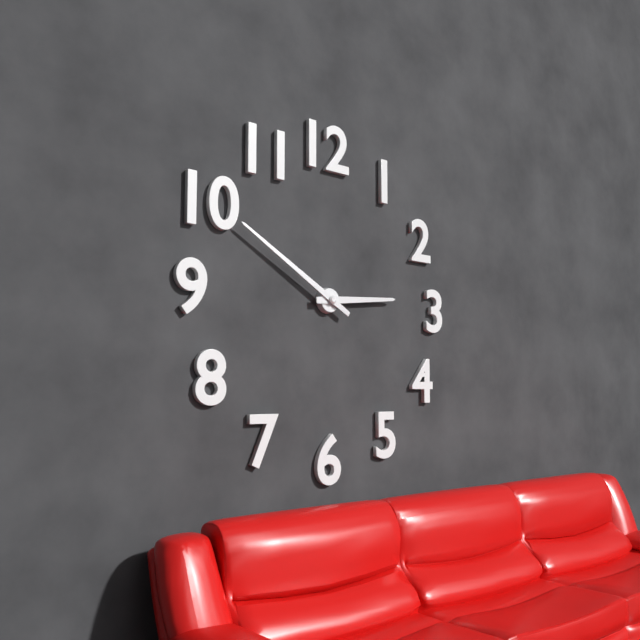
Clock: 2:50
